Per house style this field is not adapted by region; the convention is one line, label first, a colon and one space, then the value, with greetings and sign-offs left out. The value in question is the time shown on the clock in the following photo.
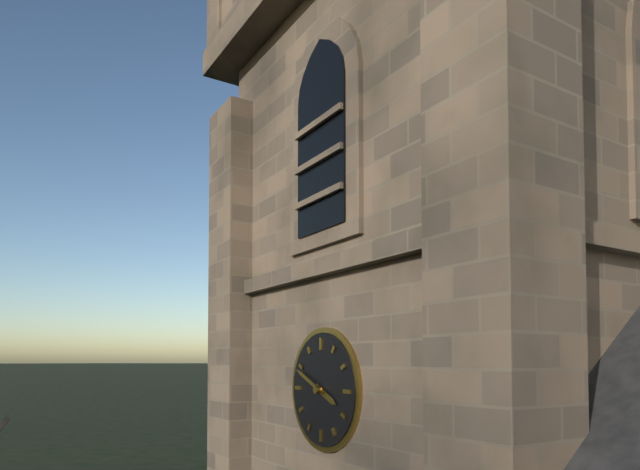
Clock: 3:49
